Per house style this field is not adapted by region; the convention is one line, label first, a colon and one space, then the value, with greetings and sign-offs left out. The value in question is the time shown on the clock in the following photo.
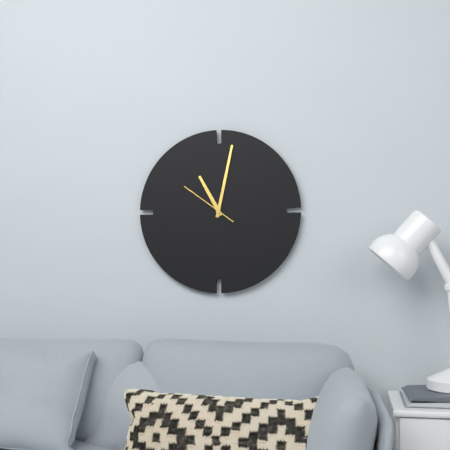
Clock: 11:02:51
